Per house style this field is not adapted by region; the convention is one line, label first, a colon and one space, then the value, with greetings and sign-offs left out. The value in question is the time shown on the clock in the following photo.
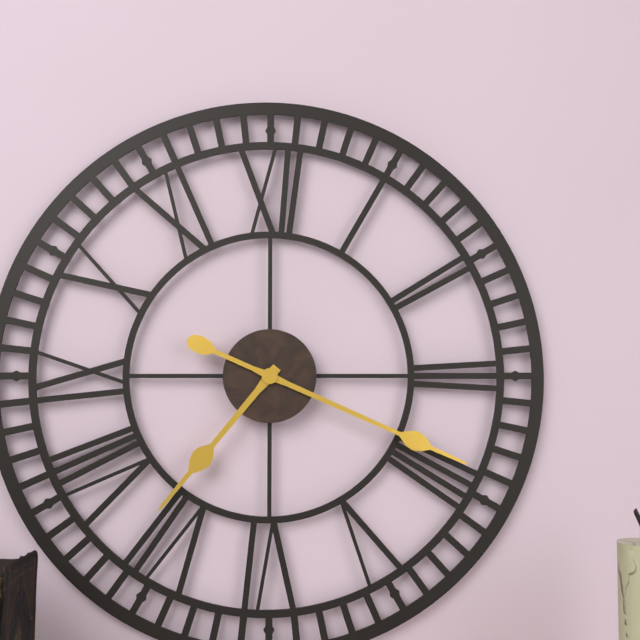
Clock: 7:19
